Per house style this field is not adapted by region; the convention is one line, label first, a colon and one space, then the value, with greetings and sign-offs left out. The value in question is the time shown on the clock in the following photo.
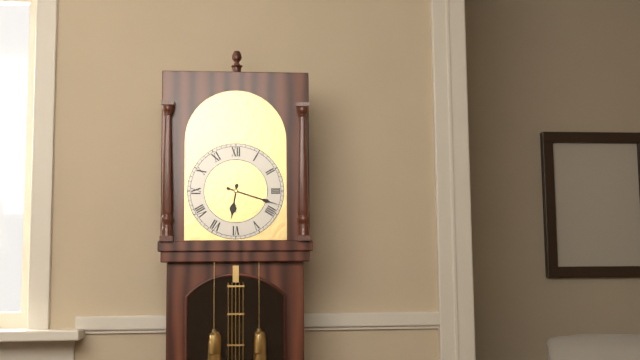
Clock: 6:18
